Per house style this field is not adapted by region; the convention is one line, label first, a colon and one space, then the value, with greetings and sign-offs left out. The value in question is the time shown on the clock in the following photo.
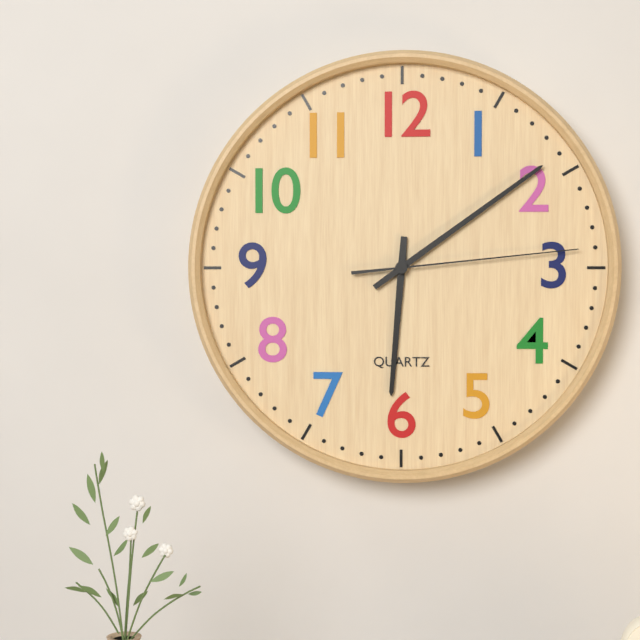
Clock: 6:09:14
